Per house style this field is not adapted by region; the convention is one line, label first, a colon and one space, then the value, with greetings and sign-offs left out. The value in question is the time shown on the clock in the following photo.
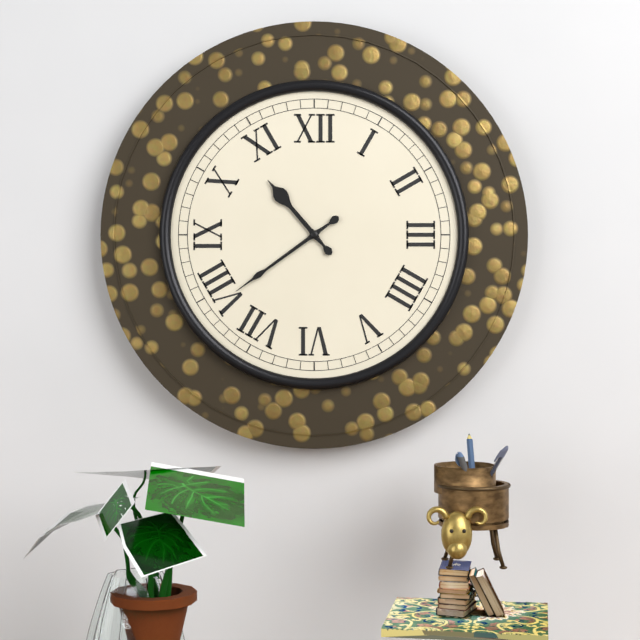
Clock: 10:39
